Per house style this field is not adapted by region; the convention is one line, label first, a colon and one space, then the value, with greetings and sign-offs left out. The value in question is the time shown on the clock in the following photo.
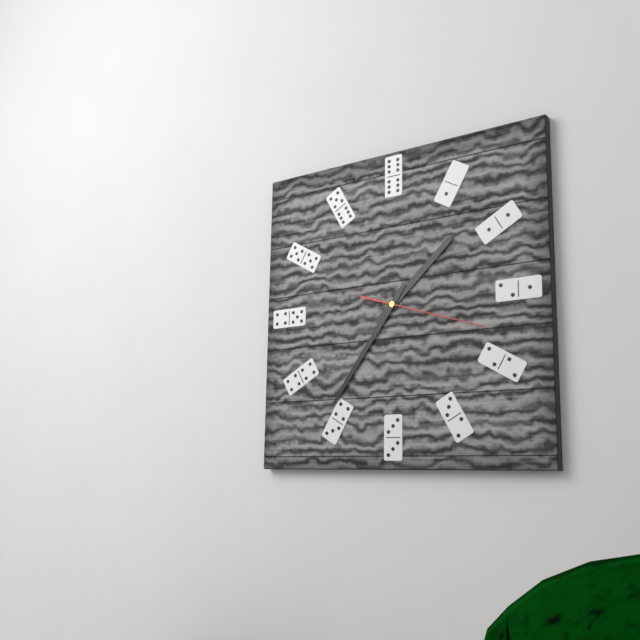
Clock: 1:36:18
